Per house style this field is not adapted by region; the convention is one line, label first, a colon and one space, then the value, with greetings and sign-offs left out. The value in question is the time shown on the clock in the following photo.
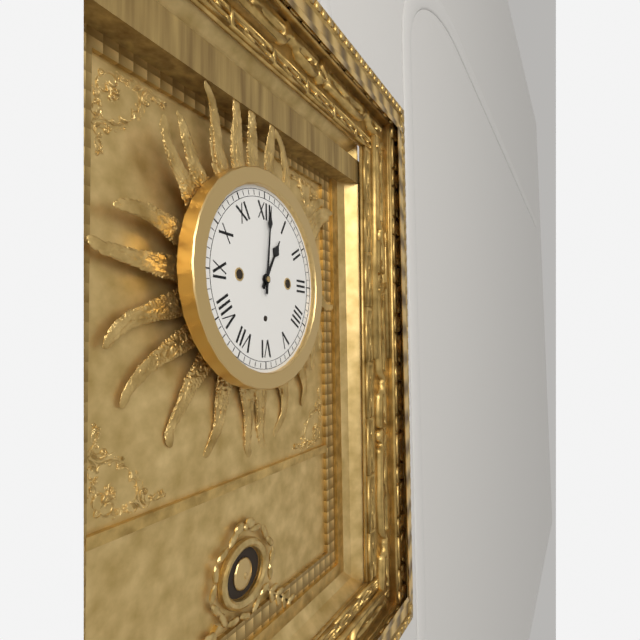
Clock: 1:01
